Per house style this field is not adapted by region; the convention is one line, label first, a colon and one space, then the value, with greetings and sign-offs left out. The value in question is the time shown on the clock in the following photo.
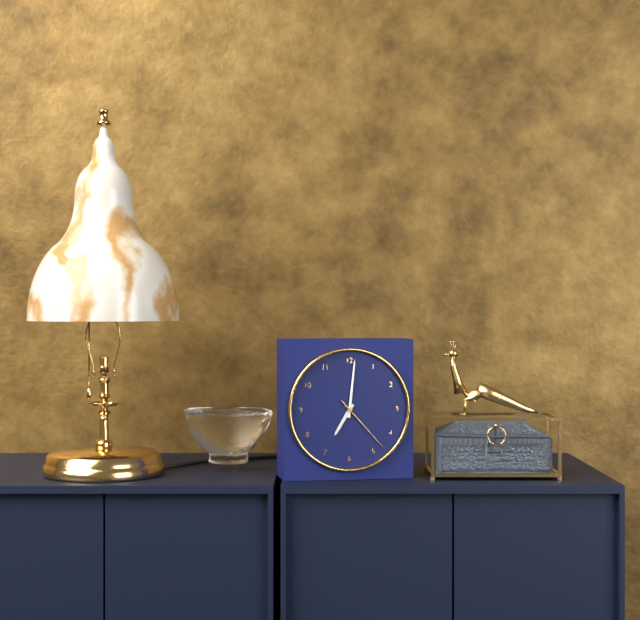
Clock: 7:01:23
